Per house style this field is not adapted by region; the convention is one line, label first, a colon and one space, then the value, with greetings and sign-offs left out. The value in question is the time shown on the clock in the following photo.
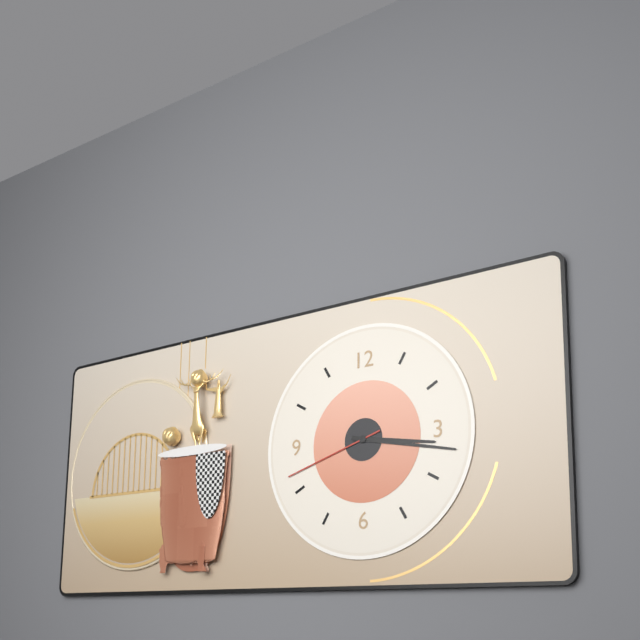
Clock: 3:17:42
